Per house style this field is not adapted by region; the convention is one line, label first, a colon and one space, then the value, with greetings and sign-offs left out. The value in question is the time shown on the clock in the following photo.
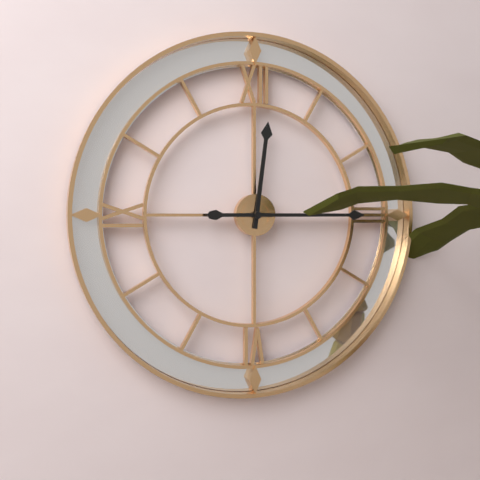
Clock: 12:15
